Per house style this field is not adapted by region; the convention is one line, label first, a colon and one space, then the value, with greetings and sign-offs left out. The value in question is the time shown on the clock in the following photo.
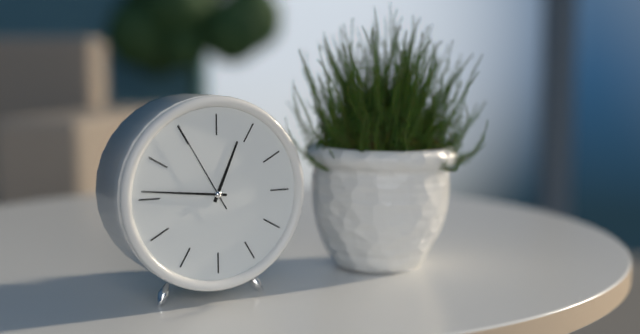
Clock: 12:46:55
